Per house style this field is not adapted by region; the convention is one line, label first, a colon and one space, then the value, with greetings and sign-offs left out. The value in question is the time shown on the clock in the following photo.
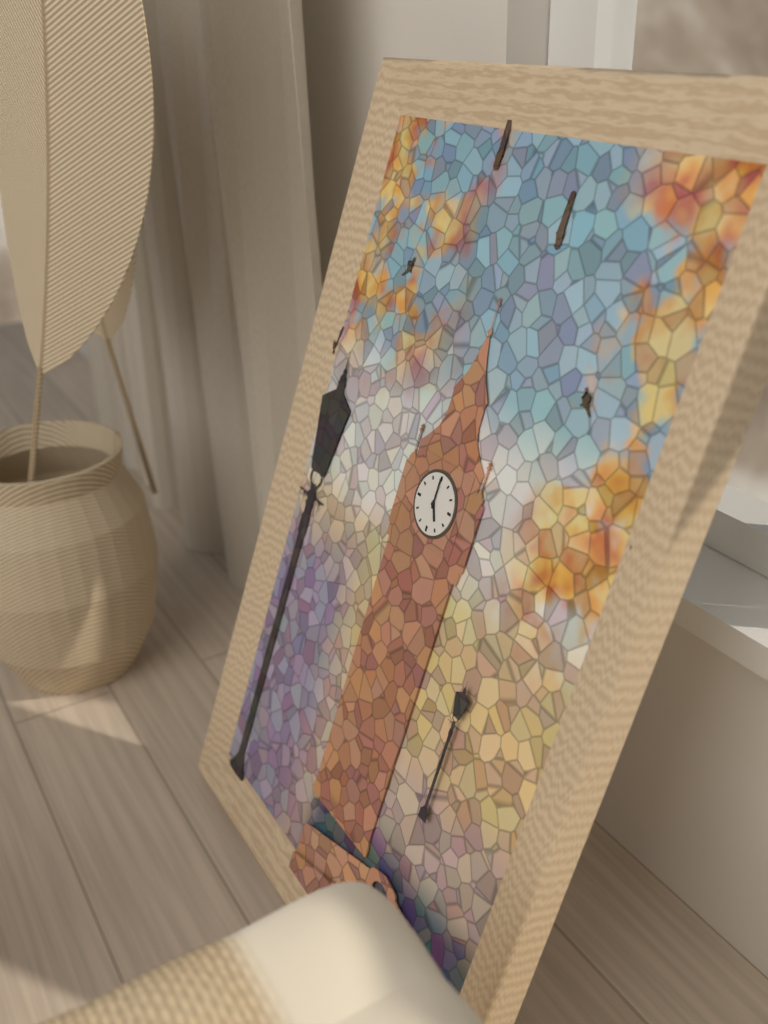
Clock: 5:00
